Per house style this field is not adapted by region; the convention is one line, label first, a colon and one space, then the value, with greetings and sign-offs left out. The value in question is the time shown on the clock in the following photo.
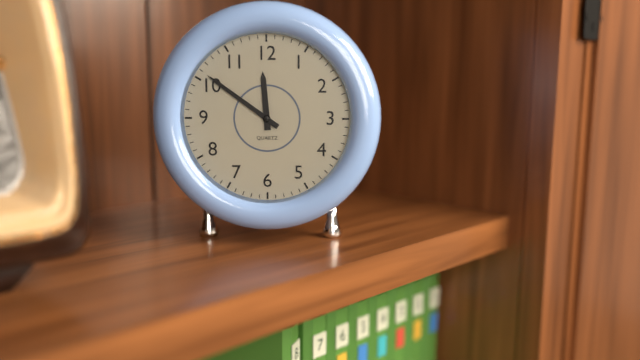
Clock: 11:51
